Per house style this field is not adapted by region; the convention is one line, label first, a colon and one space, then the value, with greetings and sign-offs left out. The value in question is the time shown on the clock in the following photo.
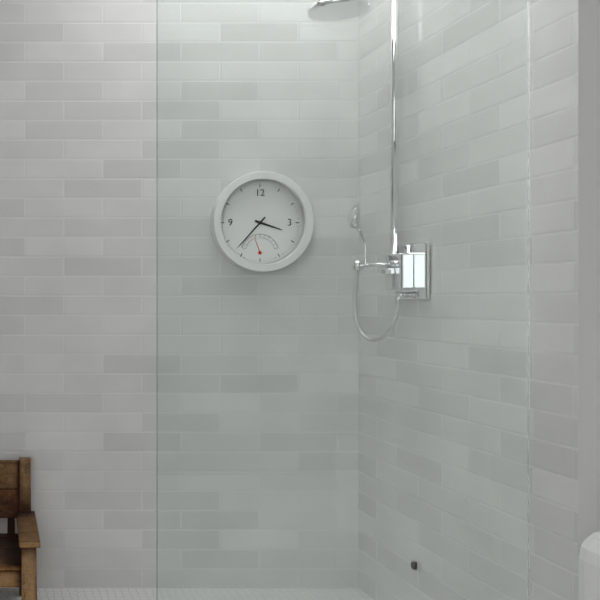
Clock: 3:37
